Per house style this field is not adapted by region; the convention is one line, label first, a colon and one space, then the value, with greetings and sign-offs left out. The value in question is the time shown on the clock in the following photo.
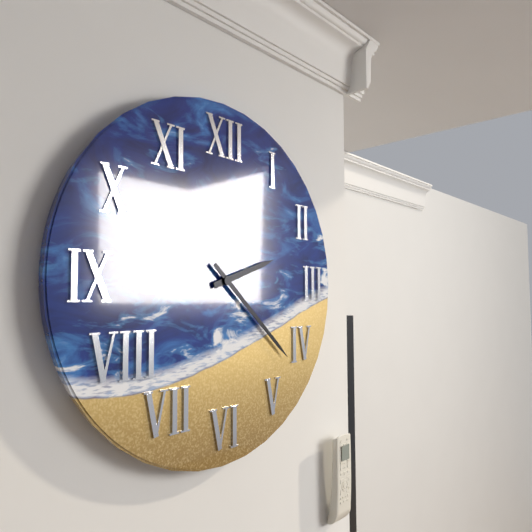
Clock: 2:22
